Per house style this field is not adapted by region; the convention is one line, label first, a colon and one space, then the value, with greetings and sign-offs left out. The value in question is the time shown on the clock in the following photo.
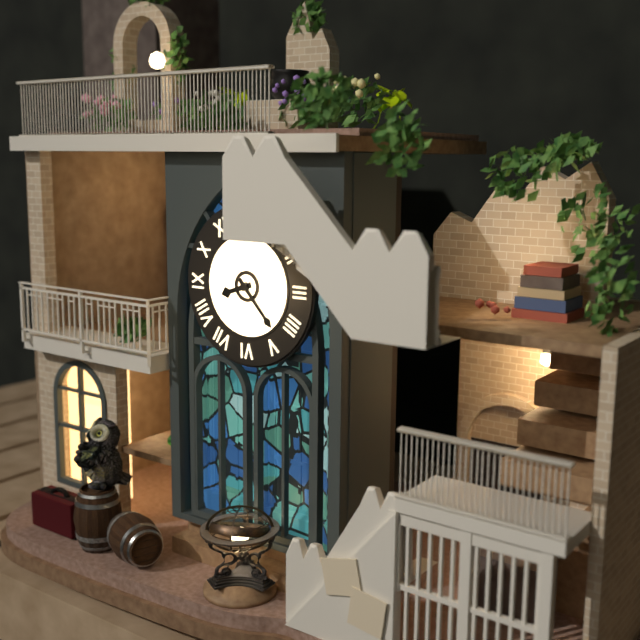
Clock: 8:23
